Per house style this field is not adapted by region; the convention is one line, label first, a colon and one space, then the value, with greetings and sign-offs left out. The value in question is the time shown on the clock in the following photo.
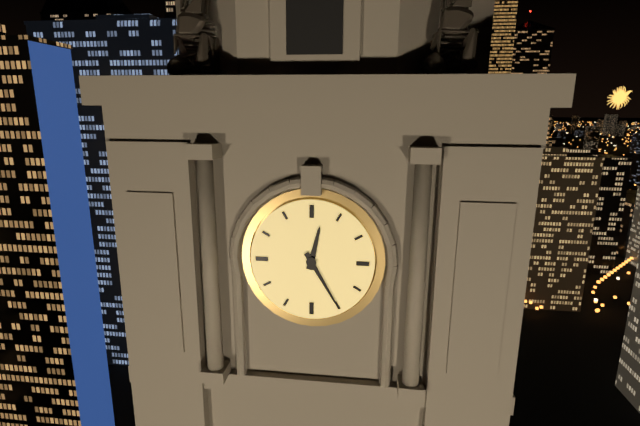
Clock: 12:25
